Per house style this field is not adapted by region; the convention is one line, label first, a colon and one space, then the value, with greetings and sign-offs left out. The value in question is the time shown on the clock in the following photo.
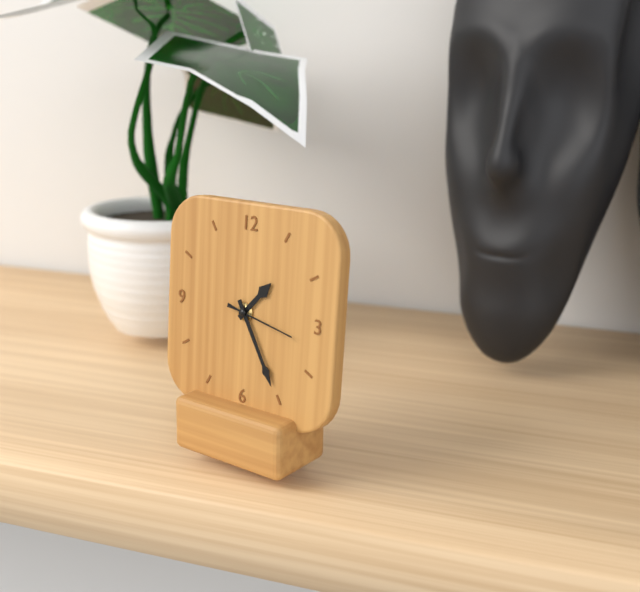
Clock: 1:25:17
